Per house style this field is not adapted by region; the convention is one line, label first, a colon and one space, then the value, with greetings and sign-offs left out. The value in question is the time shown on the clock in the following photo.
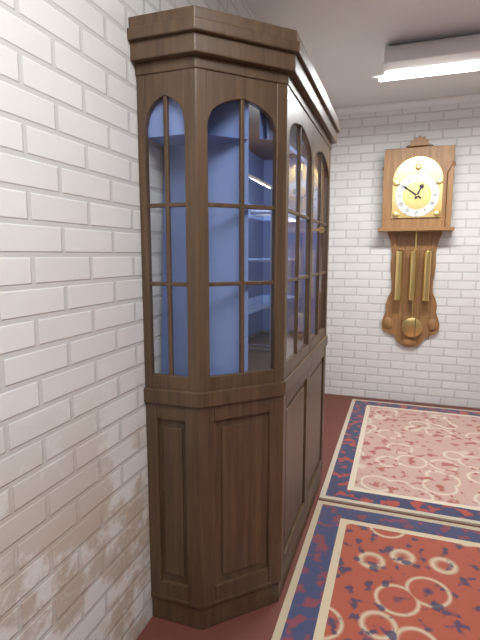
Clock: 12:51
